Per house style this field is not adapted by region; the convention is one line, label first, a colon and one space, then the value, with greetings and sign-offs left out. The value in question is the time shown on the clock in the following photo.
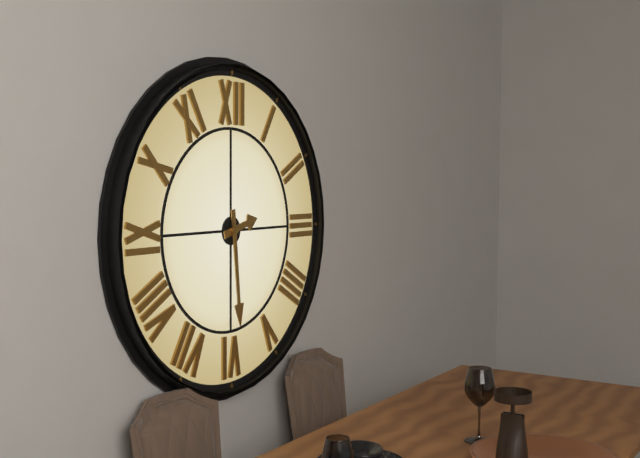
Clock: 2:29
